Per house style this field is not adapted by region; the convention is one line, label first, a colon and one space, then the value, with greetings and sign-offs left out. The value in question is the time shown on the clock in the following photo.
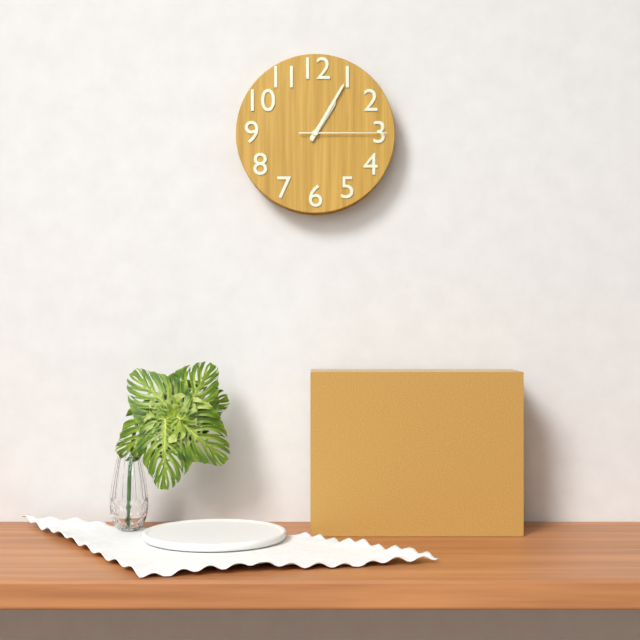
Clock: 1:05:15
